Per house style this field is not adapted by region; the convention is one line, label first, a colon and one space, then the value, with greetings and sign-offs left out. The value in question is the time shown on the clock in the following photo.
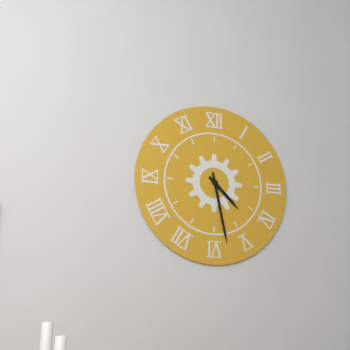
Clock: 4:28
